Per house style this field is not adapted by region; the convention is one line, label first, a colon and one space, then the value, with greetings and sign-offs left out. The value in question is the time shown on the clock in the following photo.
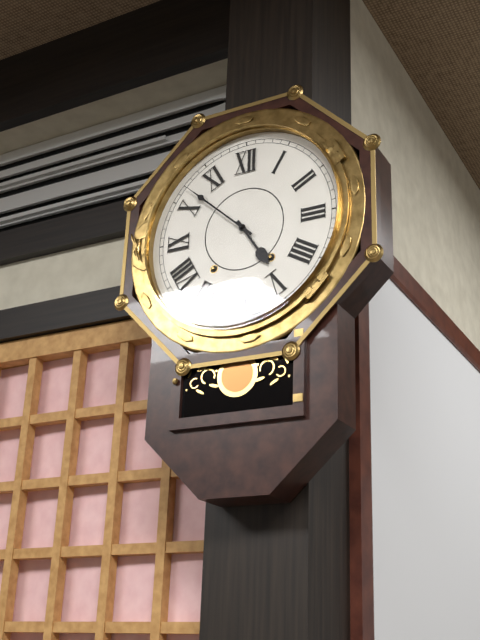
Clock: 4:52
